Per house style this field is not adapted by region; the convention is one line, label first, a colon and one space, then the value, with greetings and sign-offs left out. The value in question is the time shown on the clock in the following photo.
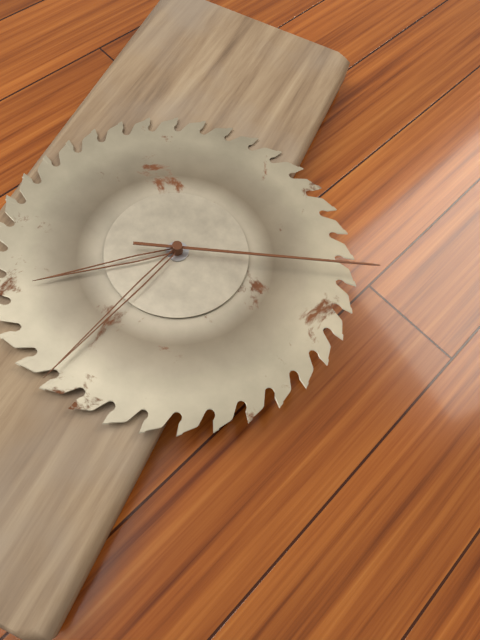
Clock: 7:32:11
